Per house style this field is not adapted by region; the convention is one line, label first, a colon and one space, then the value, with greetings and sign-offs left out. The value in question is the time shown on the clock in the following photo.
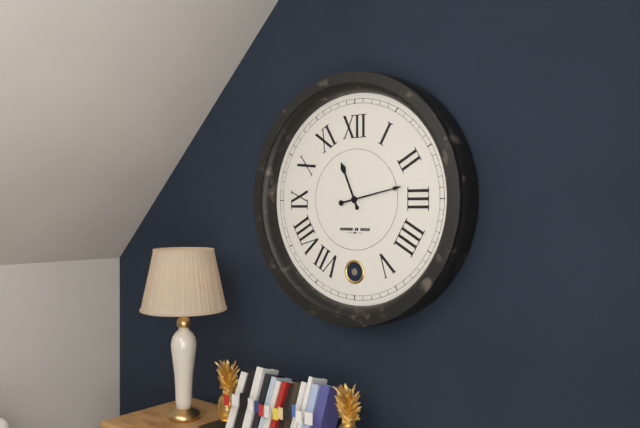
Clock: 11:13
